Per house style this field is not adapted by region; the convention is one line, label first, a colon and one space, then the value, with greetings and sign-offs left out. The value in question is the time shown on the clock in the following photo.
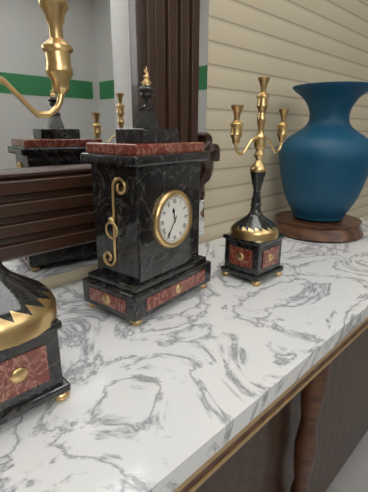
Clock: 11:36
